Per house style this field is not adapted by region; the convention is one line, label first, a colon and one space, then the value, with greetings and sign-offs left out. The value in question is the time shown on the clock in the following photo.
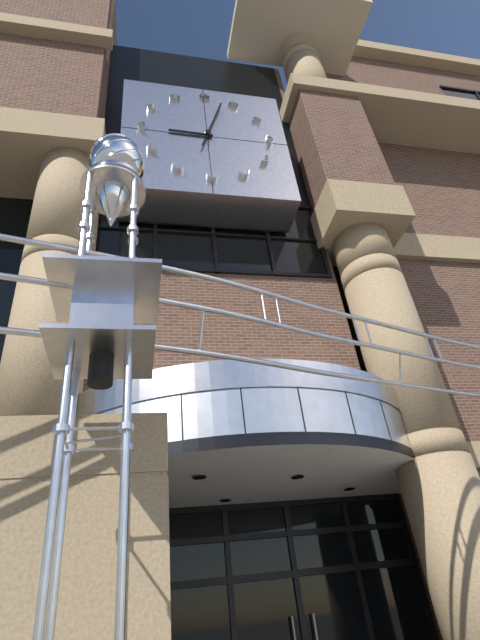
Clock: 9:03
